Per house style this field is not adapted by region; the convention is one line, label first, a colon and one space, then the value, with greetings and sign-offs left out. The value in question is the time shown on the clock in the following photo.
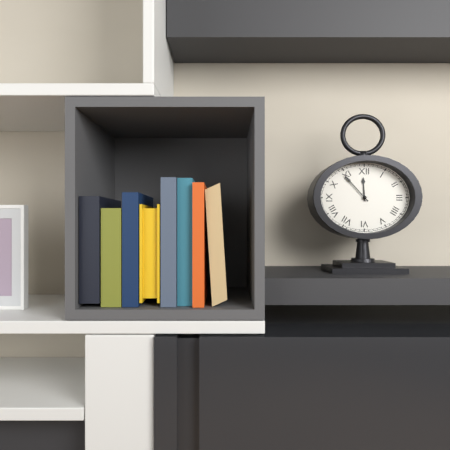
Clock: 11:53
